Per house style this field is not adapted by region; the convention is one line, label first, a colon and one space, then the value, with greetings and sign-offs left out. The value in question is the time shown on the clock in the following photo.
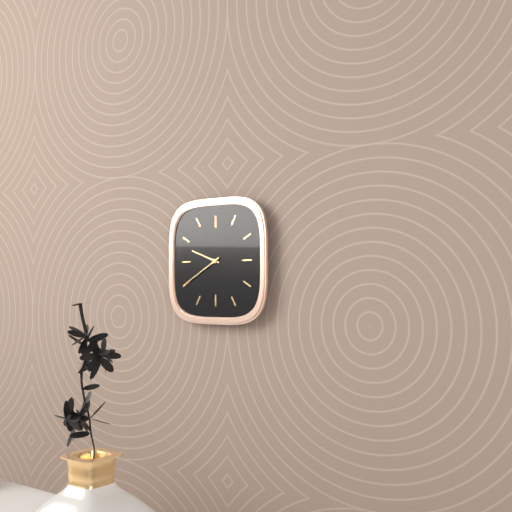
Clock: 9:40
